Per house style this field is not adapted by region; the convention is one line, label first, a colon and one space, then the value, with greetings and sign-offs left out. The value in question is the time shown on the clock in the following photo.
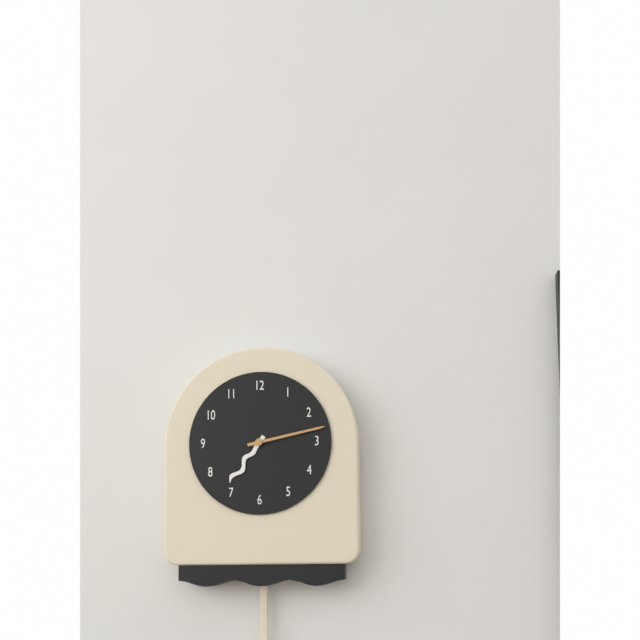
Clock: 7:13
